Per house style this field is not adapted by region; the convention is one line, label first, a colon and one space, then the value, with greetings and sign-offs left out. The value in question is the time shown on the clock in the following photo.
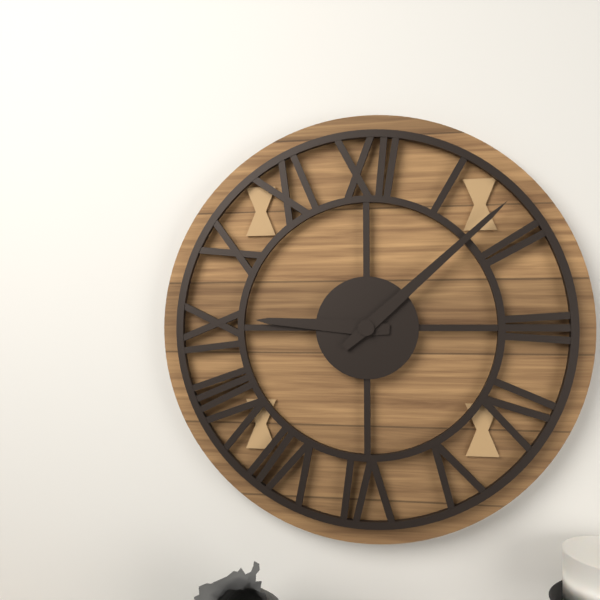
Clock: 9:08
